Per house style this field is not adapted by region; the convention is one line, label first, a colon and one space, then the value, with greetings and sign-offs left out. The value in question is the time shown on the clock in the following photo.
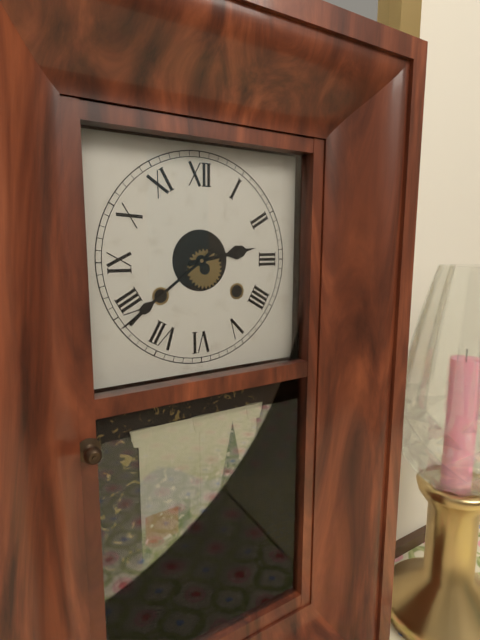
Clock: 2:39
